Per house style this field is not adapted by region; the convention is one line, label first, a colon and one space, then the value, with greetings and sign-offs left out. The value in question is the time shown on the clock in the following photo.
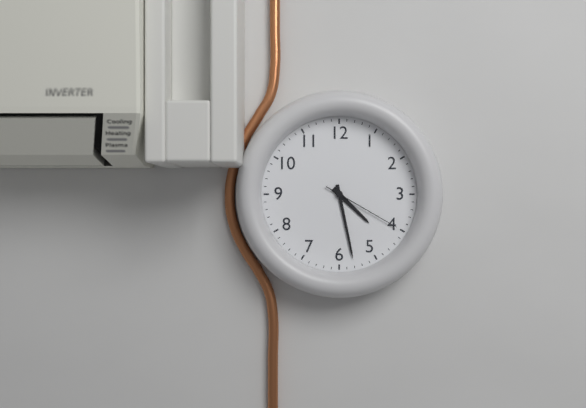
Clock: 4:28:20
